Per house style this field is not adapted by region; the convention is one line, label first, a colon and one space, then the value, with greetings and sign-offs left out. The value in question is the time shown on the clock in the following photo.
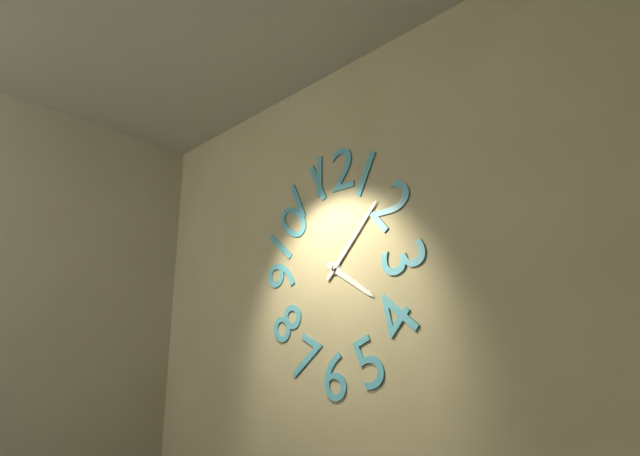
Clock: 4:07
